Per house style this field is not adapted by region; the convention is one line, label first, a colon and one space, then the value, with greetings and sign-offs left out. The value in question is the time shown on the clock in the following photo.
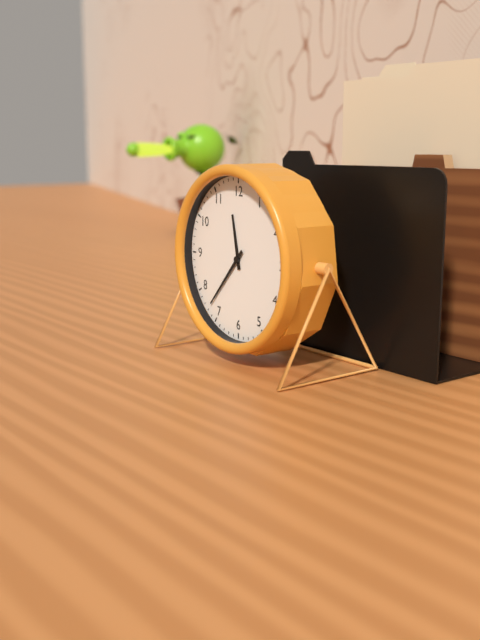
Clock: 11:37
